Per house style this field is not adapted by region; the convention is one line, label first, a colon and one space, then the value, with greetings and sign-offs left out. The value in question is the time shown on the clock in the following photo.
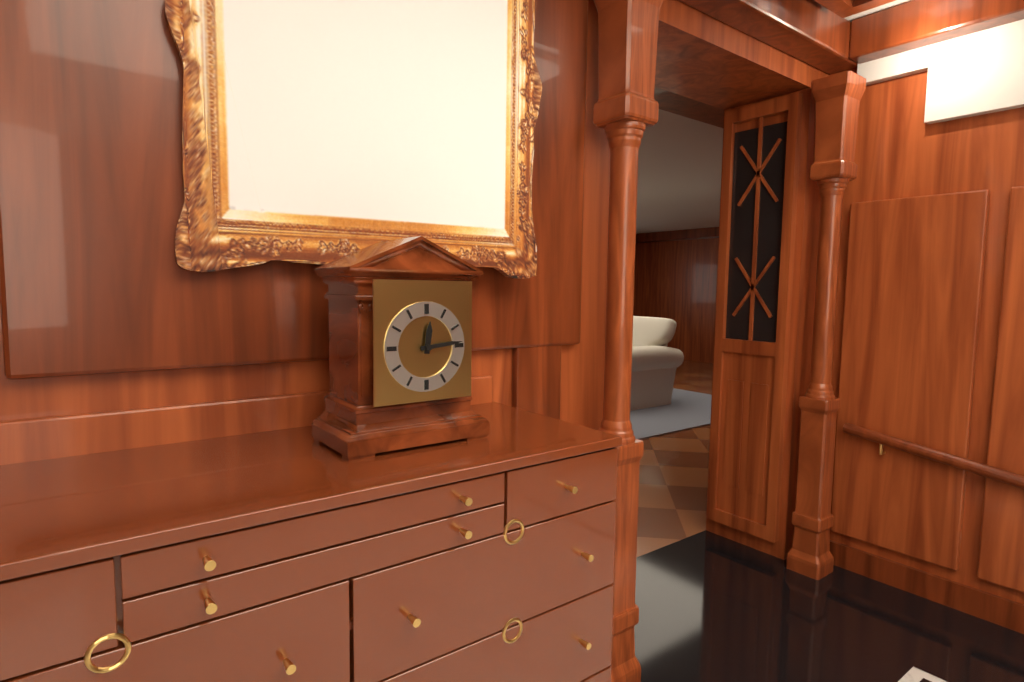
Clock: 12:14
